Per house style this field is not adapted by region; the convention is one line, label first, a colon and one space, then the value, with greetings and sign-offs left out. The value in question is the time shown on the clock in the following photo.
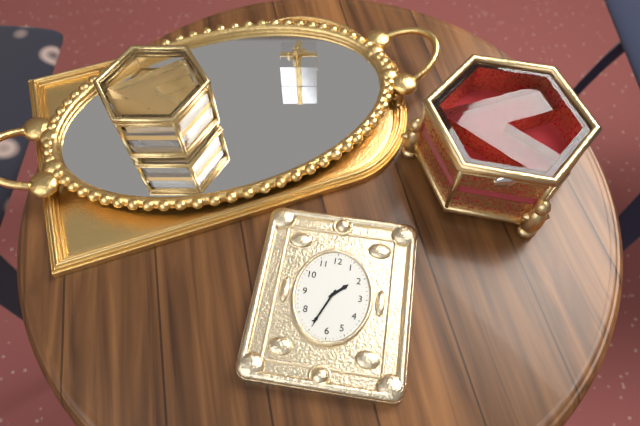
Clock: 1:34
